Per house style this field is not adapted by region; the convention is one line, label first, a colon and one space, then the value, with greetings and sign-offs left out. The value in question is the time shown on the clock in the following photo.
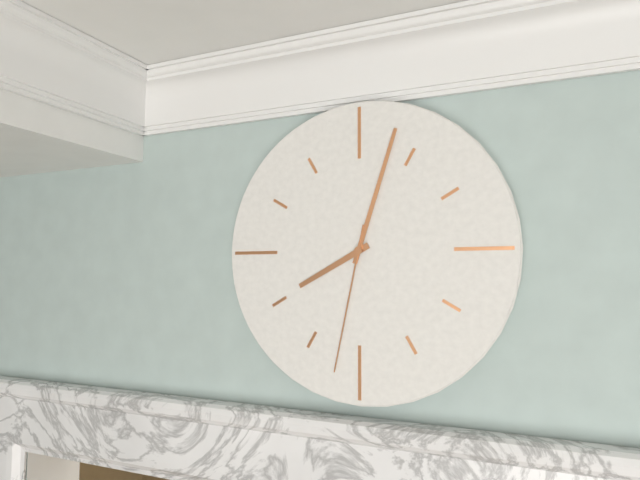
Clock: 8:03:32
